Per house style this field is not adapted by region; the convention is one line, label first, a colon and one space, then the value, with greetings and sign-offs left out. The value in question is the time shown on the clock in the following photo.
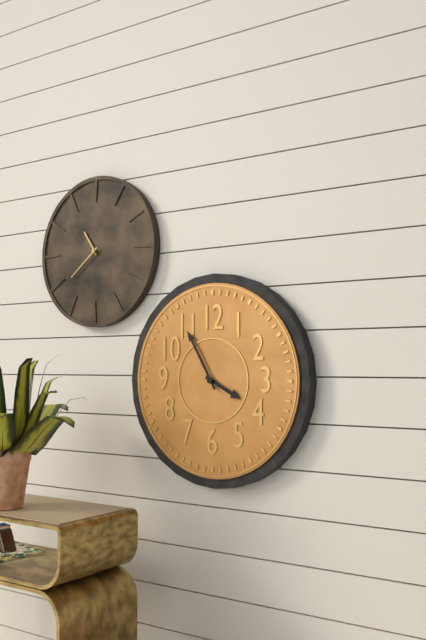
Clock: 3:55
